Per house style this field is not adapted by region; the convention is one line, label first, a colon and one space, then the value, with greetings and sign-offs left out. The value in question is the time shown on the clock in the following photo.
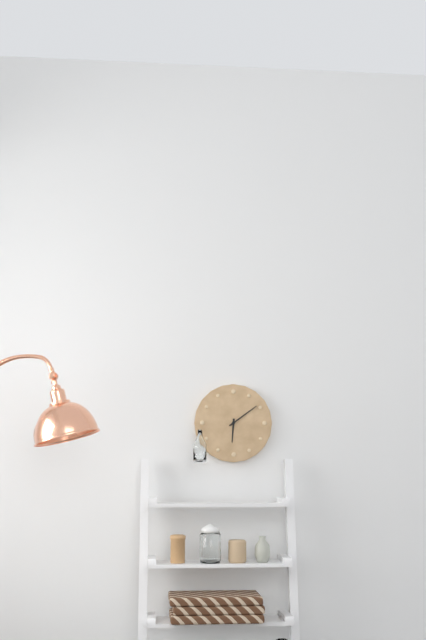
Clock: 6:09
